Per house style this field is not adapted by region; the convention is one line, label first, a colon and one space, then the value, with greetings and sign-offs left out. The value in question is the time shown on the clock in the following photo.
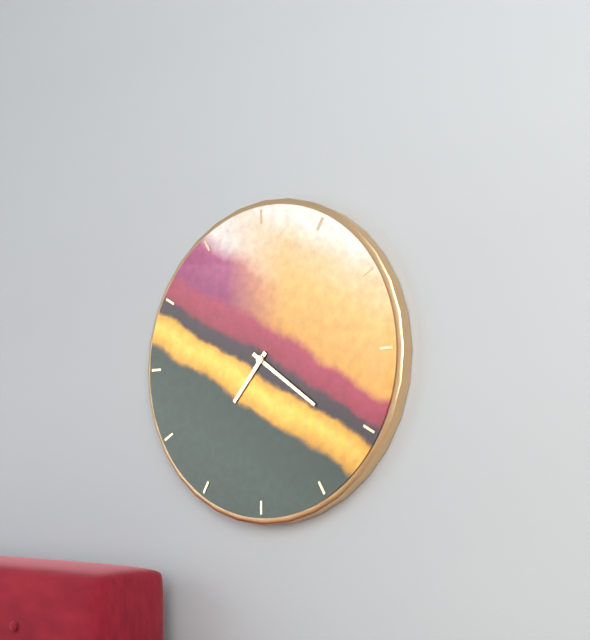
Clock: 7:21
